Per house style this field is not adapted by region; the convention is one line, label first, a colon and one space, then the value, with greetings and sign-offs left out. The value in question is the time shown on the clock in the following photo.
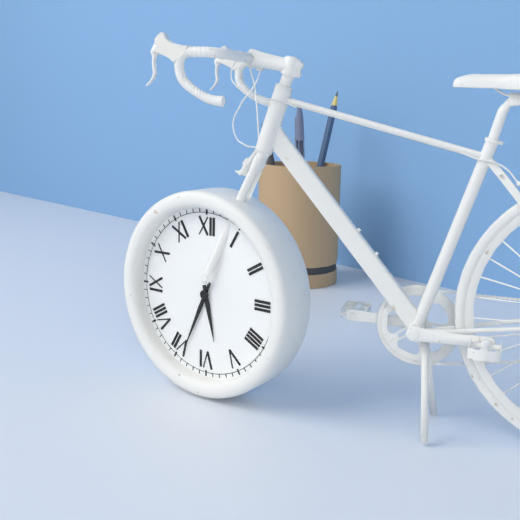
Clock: 5:34
